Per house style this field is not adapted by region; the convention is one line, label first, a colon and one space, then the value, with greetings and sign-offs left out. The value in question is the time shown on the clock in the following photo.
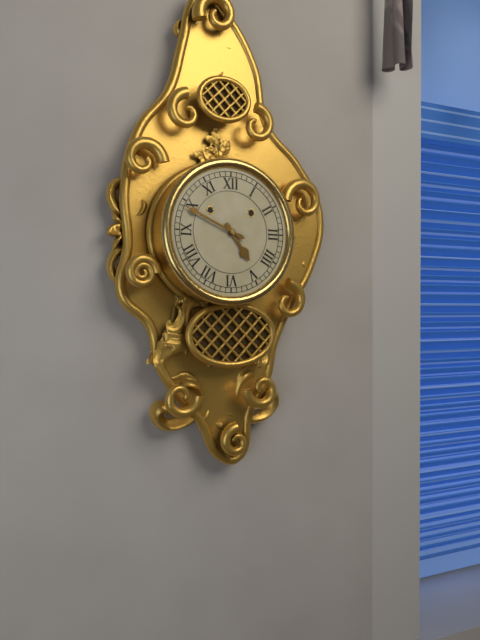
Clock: 4:49
